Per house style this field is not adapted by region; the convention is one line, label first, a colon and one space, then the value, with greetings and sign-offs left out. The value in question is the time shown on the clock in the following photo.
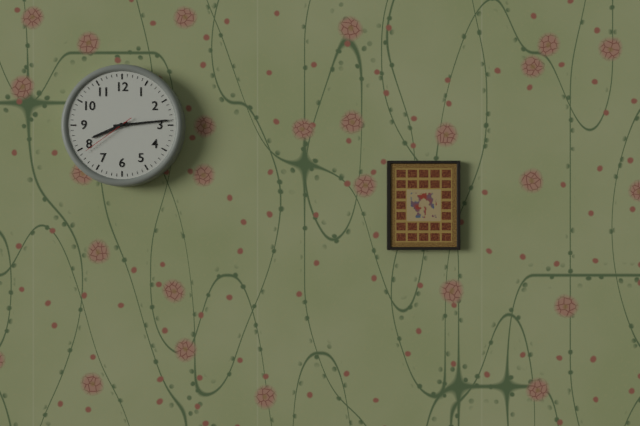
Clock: 8:14:39
